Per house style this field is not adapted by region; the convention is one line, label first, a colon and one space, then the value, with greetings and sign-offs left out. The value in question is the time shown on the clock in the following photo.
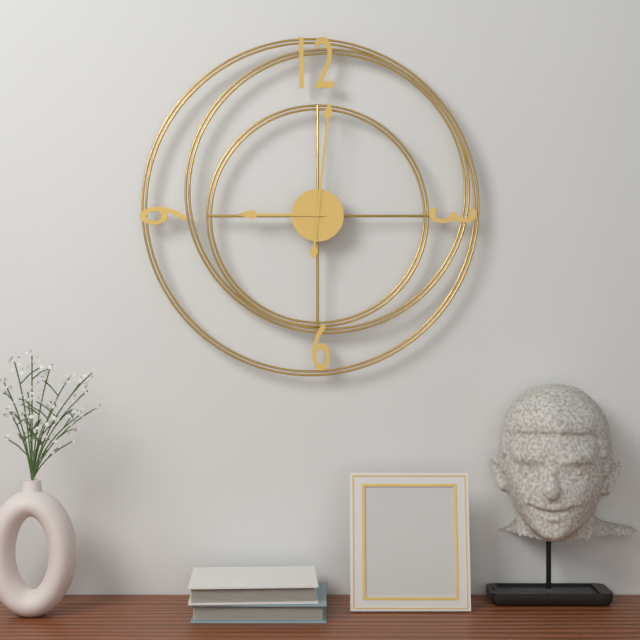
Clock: 9:01
